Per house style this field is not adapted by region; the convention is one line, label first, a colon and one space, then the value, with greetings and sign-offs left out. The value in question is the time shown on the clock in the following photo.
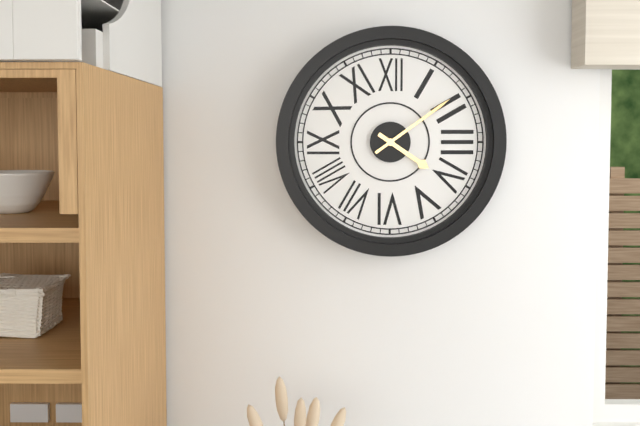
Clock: 4:09
